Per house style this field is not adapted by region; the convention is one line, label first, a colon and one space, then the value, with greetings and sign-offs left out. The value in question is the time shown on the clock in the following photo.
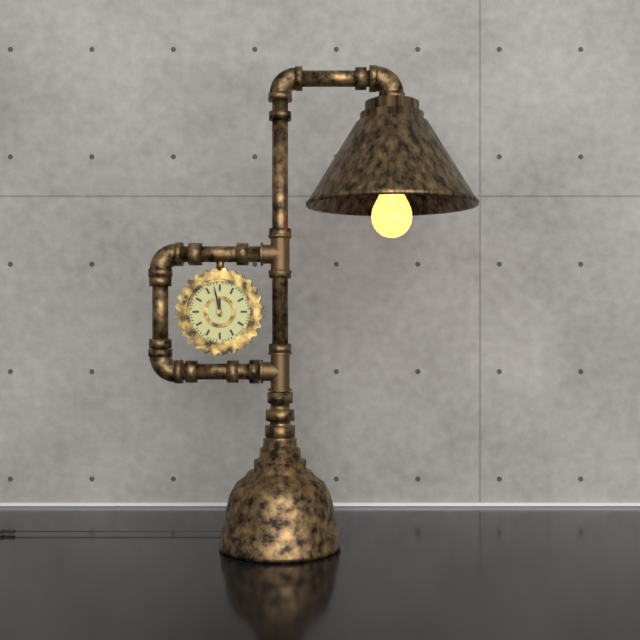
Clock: 11:58
